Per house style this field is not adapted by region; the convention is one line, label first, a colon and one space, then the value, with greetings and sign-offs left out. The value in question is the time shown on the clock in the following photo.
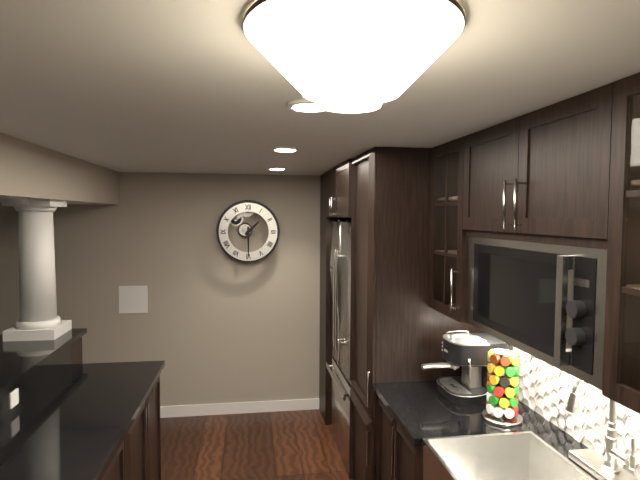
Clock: 1:30
